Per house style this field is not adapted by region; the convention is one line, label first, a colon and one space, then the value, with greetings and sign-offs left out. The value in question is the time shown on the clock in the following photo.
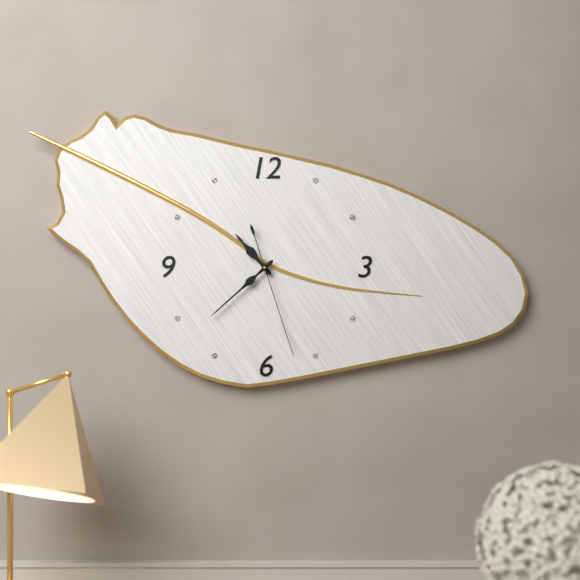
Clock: 10:38:27
